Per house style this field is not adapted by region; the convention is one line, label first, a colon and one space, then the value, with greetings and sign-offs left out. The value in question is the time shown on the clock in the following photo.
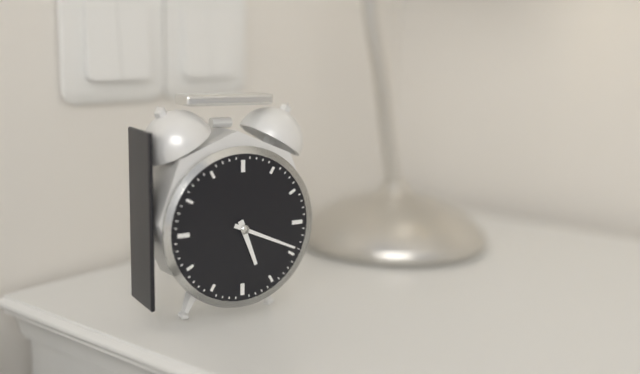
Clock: 5:19
